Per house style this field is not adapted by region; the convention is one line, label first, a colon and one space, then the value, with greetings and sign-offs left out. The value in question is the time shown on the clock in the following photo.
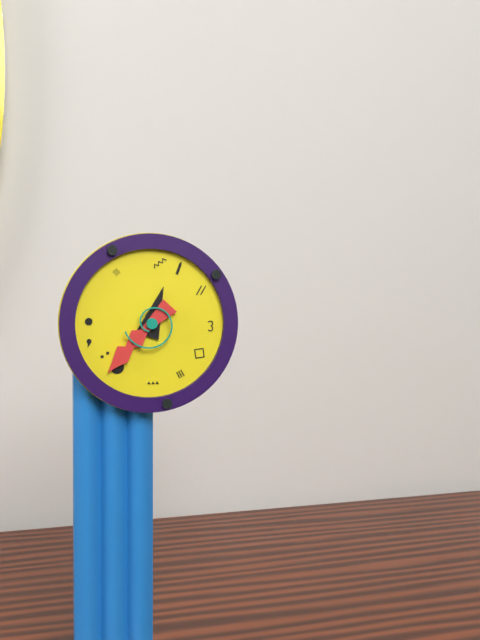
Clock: 12:37
